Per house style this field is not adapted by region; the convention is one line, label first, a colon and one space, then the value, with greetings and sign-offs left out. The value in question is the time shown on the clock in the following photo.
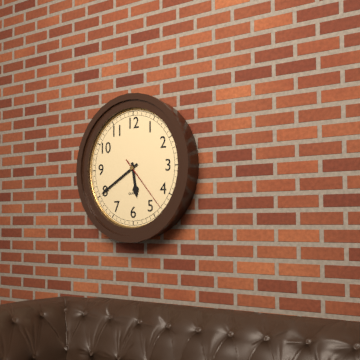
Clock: 5:40:23
